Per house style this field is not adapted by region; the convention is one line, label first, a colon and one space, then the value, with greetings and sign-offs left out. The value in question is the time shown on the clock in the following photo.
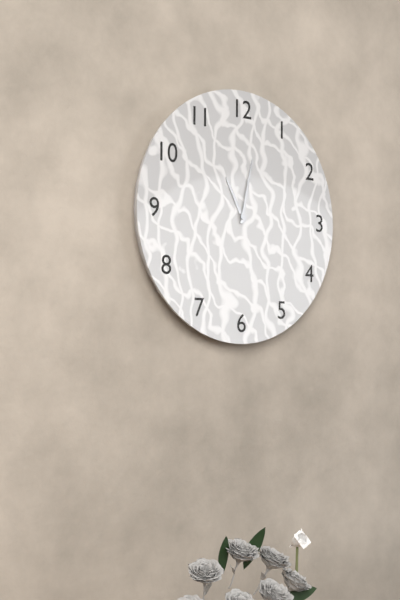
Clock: 11:02
